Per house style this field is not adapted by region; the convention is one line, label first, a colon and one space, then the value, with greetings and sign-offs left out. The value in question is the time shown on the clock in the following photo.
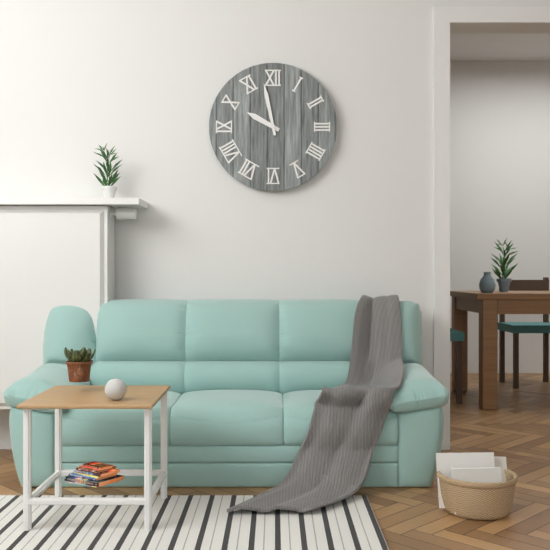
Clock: 9:58
